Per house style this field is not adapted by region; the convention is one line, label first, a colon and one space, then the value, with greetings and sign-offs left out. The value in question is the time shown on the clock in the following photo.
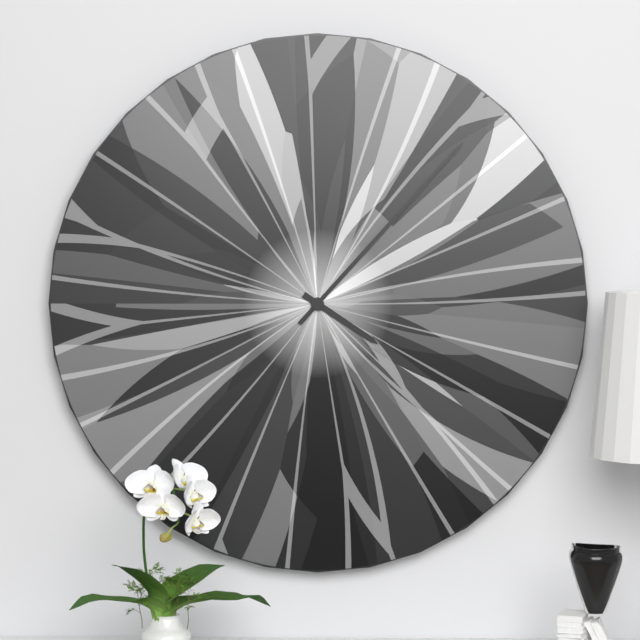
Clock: 4:07
